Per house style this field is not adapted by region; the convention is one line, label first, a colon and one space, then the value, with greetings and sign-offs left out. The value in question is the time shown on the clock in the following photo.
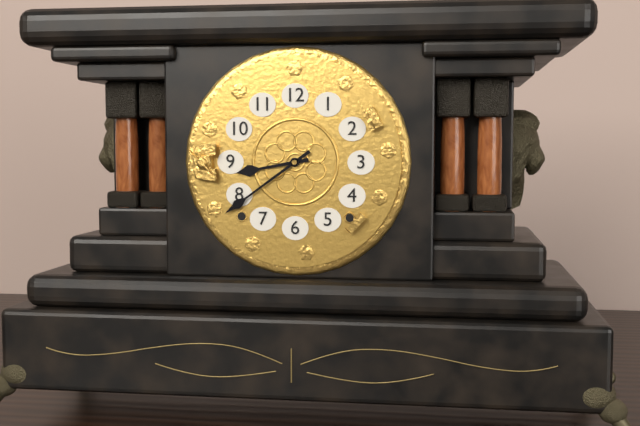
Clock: 8:39
